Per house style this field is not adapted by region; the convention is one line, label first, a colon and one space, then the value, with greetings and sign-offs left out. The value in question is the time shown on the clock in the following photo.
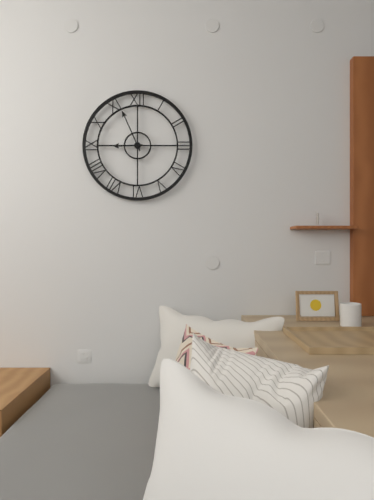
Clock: 8:56
